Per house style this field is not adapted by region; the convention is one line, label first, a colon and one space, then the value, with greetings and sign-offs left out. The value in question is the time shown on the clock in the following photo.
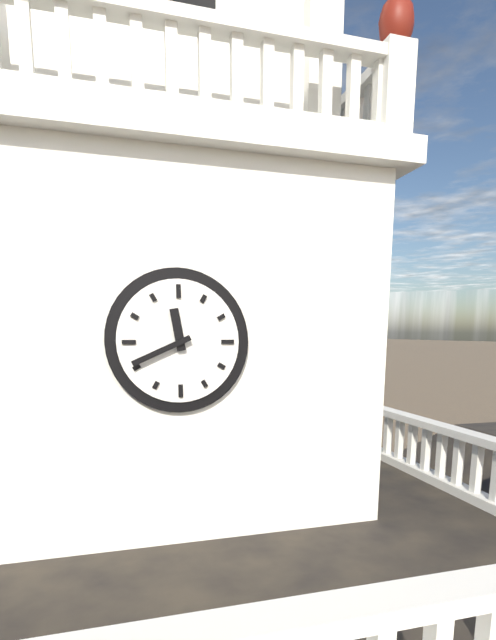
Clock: 11:41
